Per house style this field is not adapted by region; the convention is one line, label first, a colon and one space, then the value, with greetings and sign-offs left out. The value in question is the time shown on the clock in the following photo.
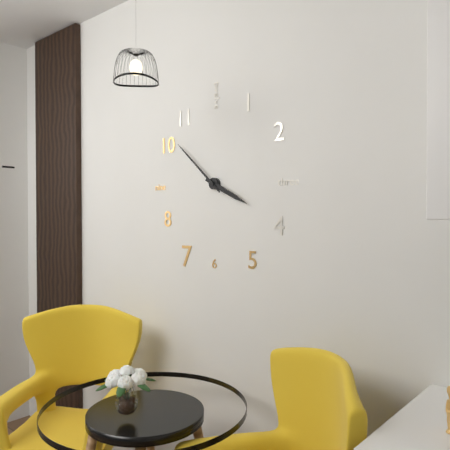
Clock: 3:52
